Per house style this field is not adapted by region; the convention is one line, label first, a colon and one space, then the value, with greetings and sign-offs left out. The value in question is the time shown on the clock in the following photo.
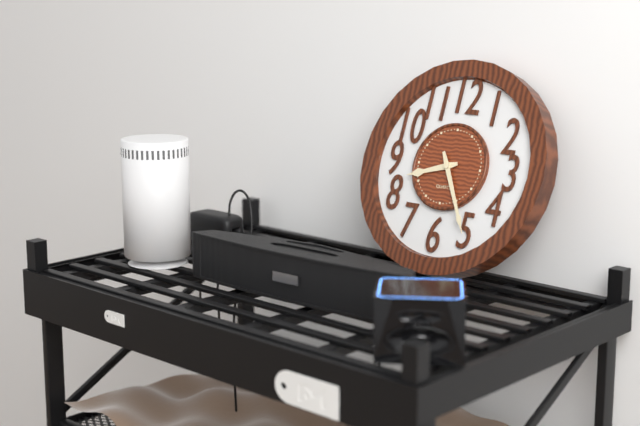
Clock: 8:25
